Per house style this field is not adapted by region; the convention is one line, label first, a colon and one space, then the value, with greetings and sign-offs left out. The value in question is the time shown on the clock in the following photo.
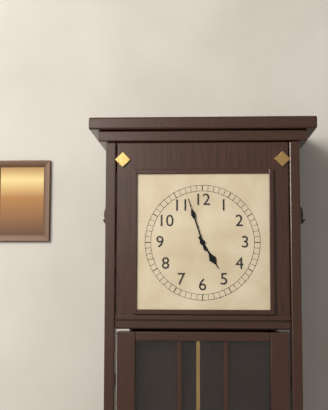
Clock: 4:57
